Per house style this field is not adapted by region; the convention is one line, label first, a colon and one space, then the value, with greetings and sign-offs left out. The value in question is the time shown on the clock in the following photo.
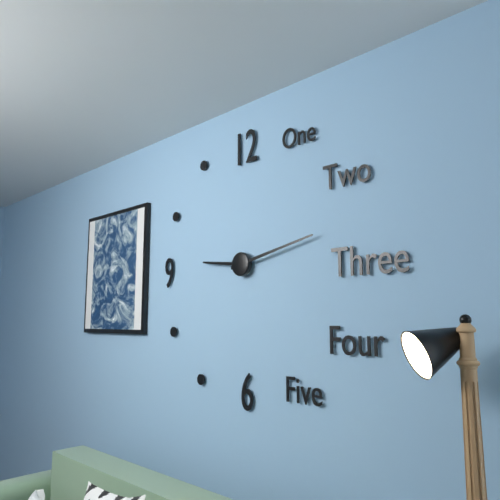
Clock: 9:13
